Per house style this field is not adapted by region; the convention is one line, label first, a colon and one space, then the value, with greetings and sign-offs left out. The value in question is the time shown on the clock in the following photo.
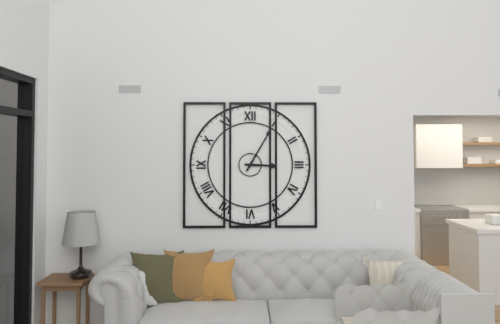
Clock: 3:05
